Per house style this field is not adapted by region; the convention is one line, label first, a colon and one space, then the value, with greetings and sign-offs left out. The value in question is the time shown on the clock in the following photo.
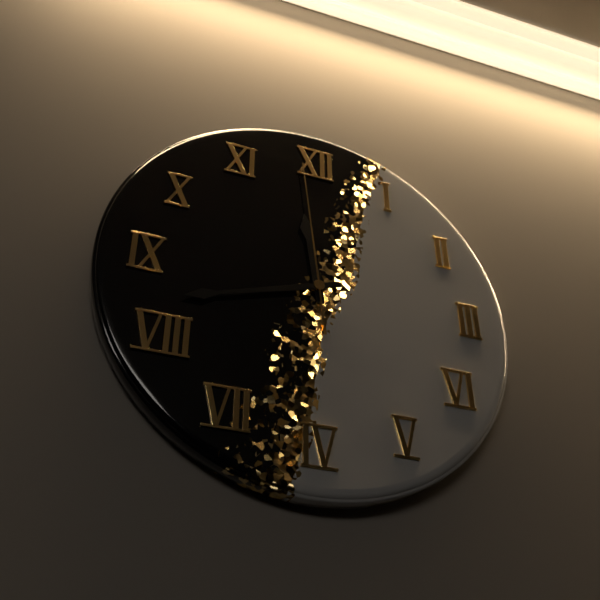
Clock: 11:42:59
